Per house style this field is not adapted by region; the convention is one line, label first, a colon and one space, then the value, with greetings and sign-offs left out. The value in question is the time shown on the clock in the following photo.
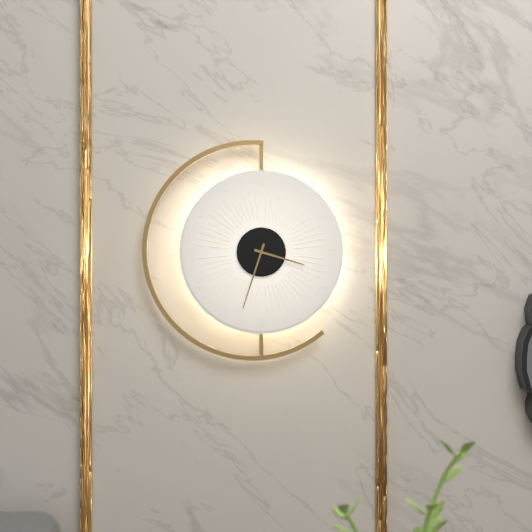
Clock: 3:33
